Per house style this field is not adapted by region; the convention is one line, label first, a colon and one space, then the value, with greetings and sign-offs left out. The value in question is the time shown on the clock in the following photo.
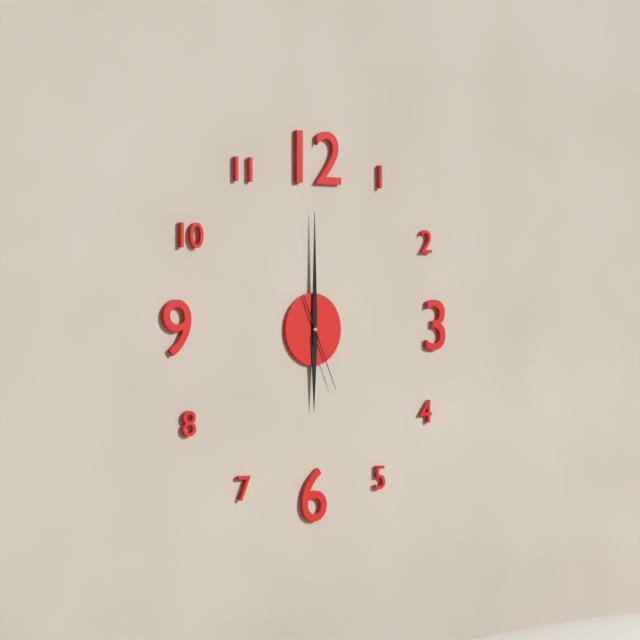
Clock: 6:00:26
